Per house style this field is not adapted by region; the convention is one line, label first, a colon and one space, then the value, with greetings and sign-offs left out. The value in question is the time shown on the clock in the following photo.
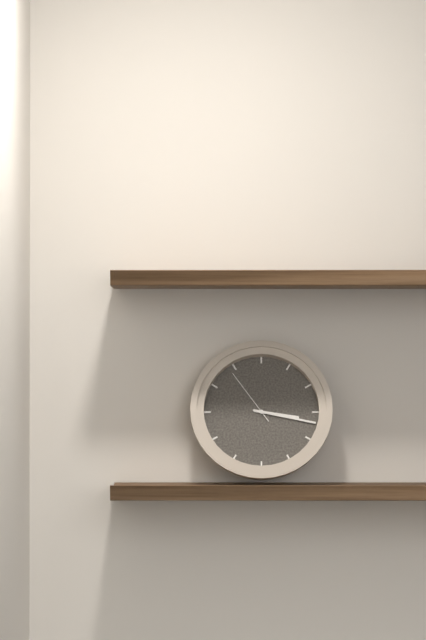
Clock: 3:17:54
